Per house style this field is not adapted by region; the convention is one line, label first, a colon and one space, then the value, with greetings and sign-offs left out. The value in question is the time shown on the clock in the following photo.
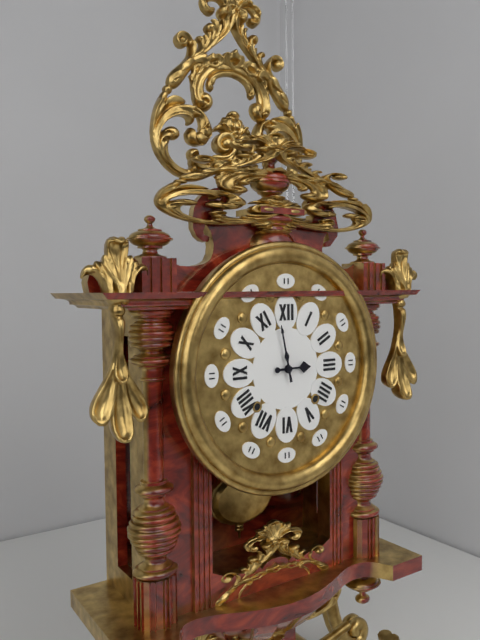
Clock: 2:58
